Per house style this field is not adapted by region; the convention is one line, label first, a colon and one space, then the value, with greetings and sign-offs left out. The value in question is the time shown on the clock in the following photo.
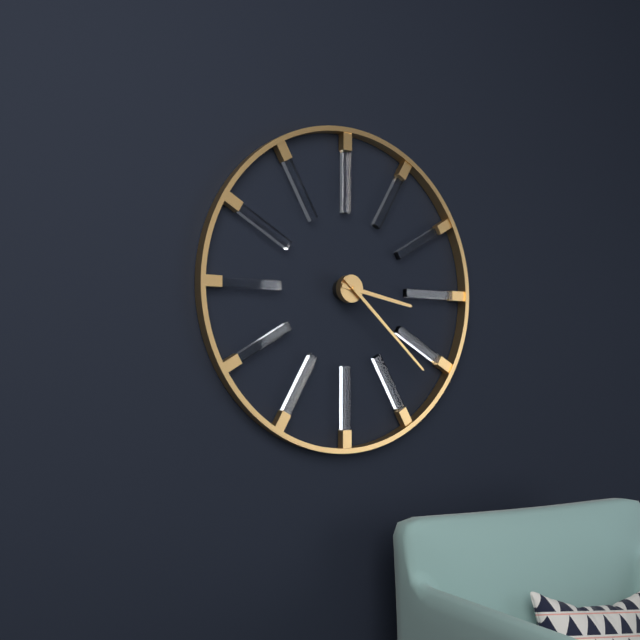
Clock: 3:22
